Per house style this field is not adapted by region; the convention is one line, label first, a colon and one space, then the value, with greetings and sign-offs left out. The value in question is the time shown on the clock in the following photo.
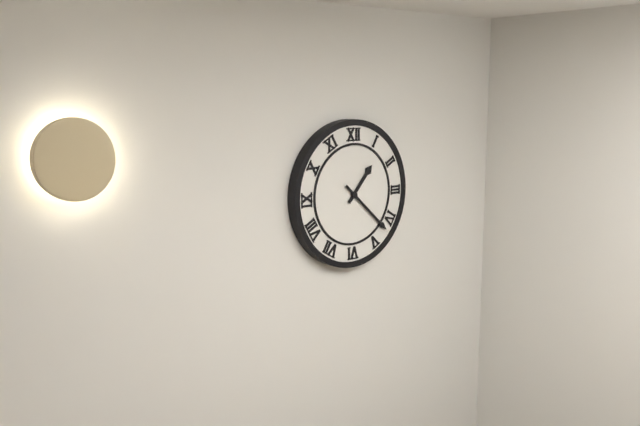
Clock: 1:22
